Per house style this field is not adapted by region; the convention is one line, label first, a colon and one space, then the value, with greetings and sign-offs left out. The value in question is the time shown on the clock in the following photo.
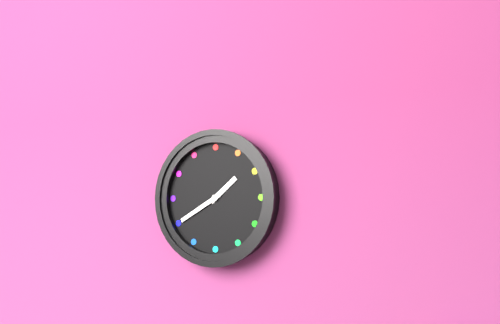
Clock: 1:40
